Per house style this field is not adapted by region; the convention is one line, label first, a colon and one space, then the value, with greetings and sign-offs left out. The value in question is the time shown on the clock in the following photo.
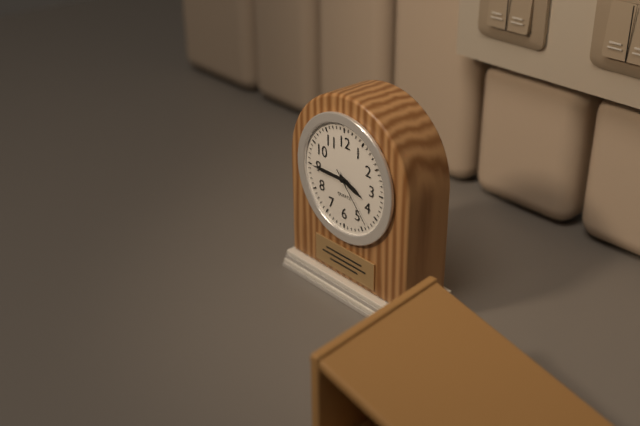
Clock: 3:45:23
